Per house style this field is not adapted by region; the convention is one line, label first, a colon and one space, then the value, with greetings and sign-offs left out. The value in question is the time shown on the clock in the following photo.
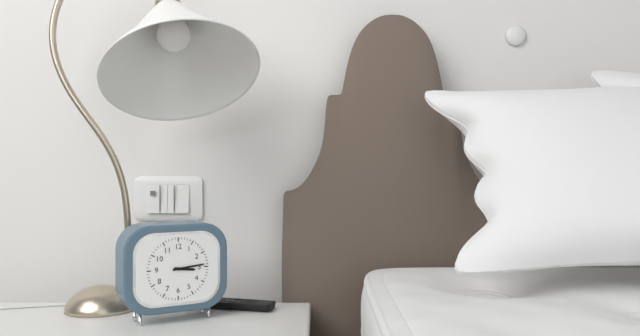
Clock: 3:14
